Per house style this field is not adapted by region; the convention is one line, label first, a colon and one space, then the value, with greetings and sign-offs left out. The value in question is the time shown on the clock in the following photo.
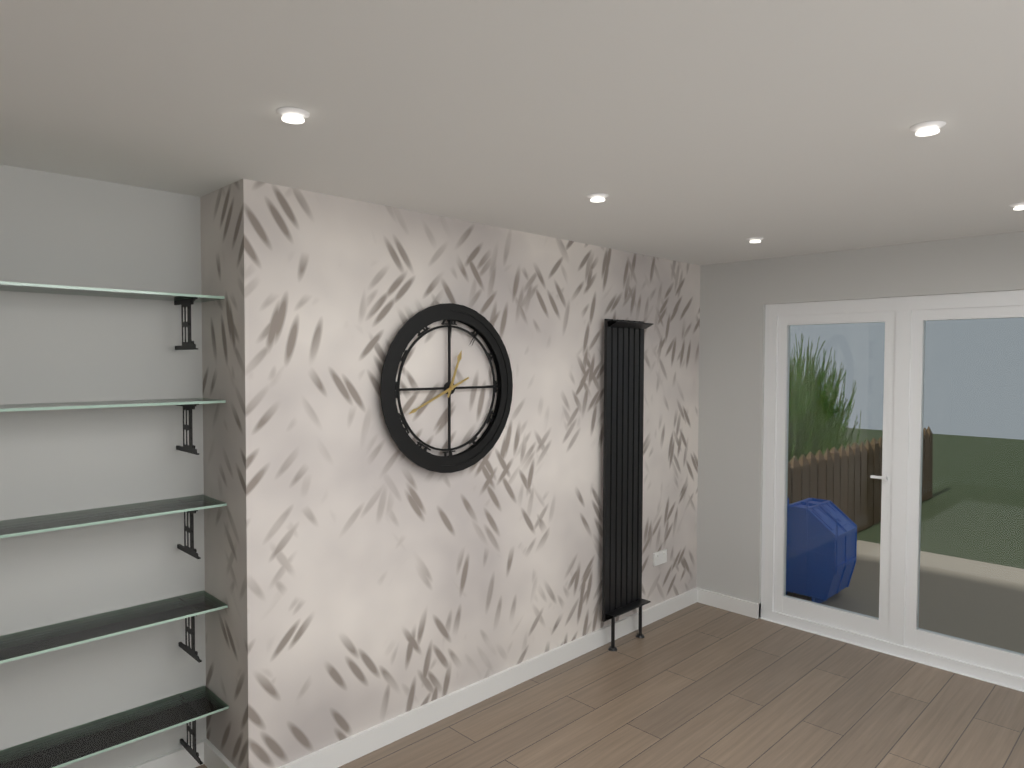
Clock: 12:41
